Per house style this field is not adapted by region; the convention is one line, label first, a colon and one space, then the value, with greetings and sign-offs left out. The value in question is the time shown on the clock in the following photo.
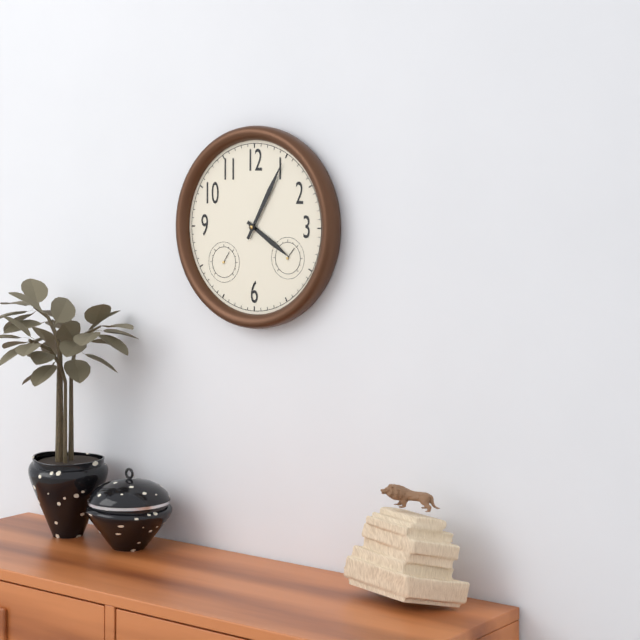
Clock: 4:05
